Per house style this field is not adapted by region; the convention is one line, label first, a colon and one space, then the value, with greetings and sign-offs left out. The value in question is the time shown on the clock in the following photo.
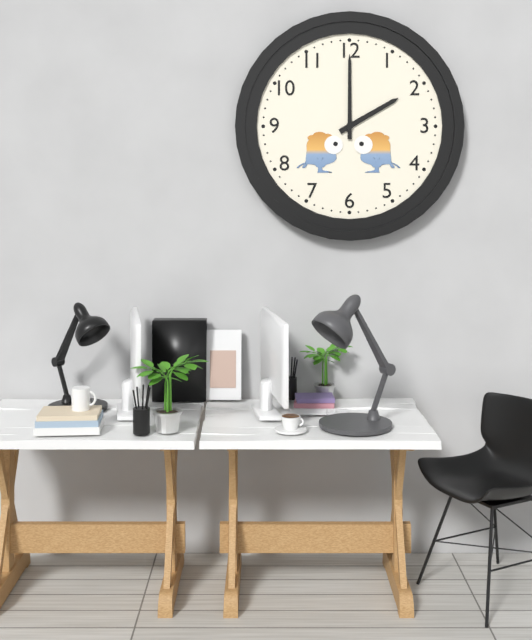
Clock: 2:00
